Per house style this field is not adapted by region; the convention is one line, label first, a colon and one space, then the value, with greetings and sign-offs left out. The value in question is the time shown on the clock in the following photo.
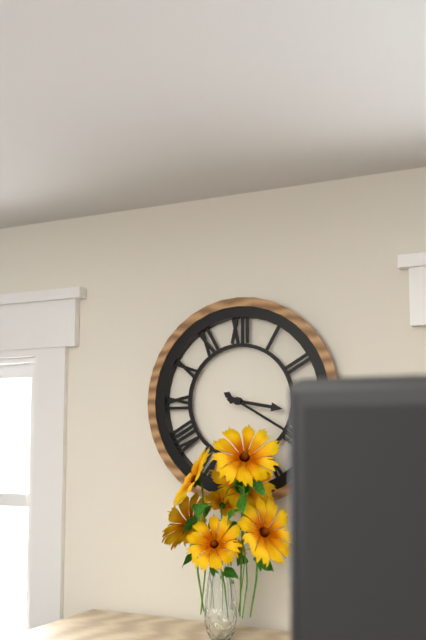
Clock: 3:20
